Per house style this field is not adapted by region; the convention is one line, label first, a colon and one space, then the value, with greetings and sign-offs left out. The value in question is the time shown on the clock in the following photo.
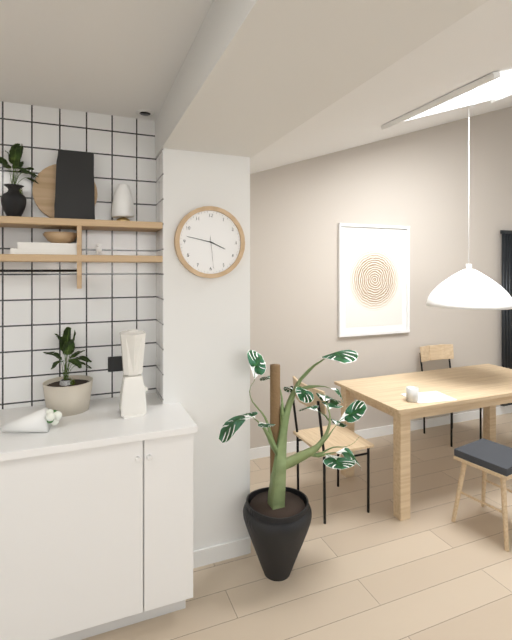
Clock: 3:47
